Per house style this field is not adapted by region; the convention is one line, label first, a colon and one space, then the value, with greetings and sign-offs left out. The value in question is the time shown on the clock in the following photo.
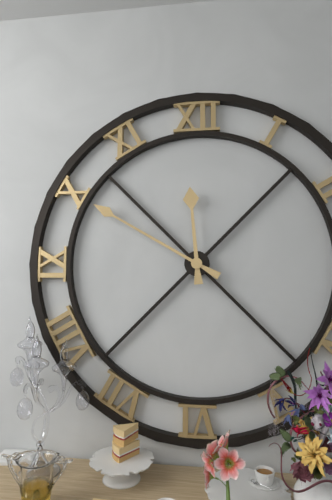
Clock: 11:50
